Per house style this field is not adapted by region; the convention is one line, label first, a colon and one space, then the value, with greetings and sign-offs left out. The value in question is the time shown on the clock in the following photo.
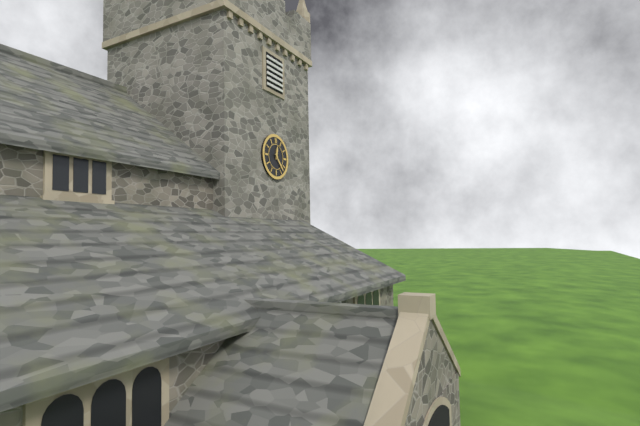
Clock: 12:23
